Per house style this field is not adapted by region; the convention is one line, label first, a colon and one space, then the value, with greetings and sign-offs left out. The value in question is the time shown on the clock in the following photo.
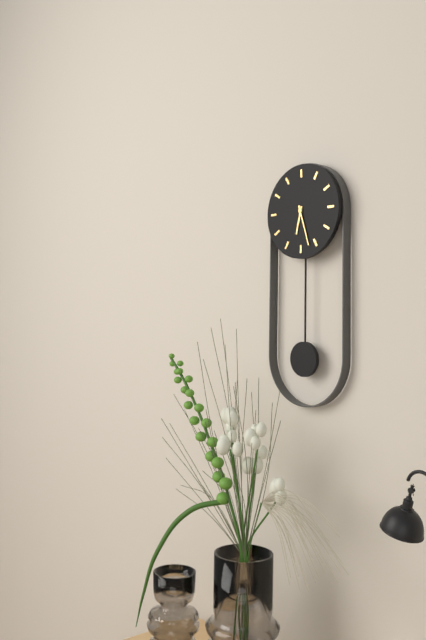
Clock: 6:27
